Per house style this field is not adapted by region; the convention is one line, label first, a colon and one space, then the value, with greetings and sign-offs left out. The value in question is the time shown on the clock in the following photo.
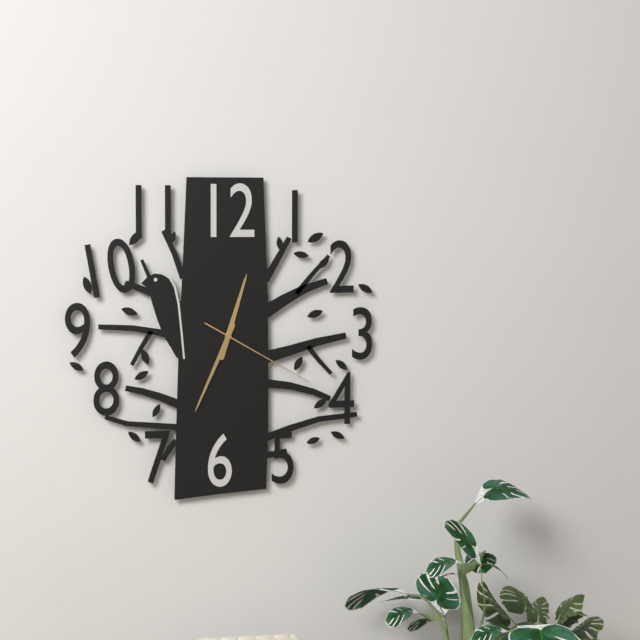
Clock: 12:34:20
